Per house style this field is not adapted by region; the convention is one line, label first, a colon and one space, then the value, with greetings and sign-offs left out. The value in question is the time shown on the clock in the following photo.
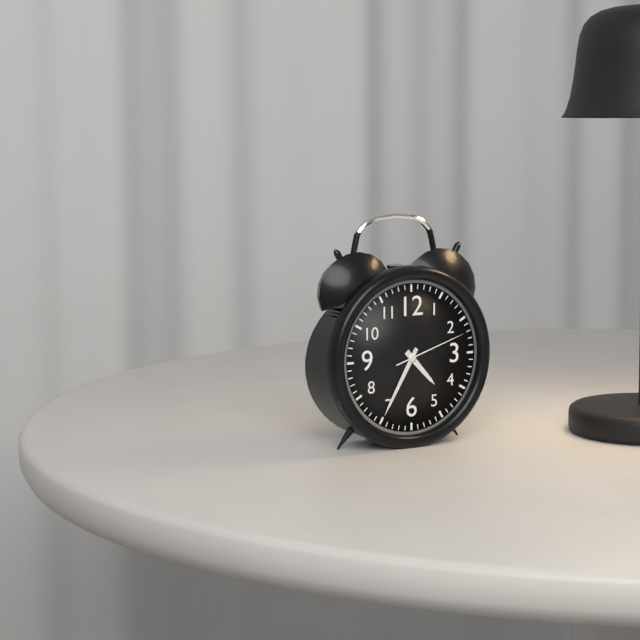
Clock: 4:35:12
